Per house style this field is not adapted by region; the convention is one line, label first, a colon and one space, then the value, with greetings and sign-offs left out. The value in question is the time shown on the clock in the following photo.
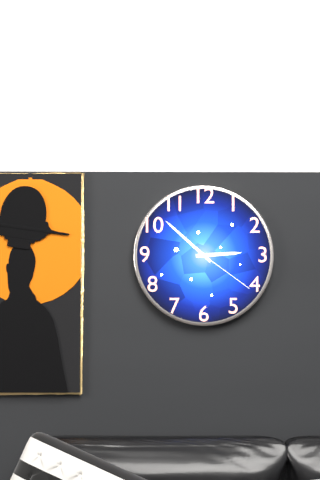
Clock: 2:52:21
